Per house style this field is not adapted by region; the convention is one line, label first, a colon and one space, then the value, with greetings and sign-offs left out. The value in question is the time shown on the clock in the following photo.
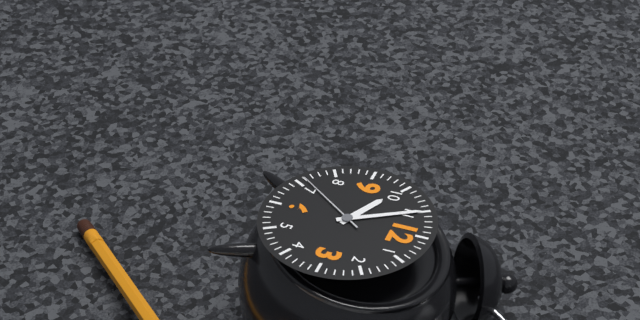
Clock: 9:55:36
